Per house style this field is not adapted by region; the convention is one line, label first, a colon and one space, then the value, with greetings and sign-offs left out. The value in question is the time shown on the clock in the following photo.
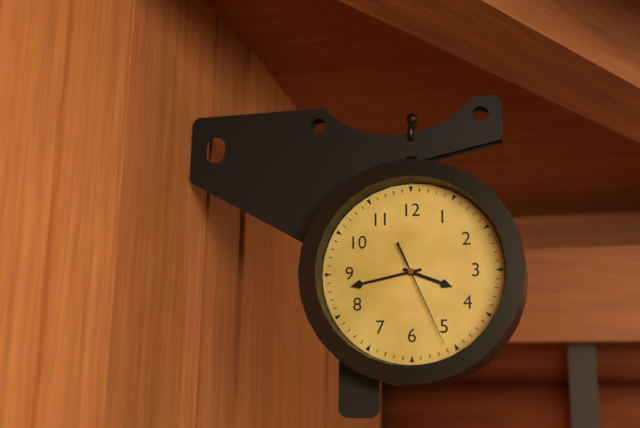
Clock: 3:43:26
